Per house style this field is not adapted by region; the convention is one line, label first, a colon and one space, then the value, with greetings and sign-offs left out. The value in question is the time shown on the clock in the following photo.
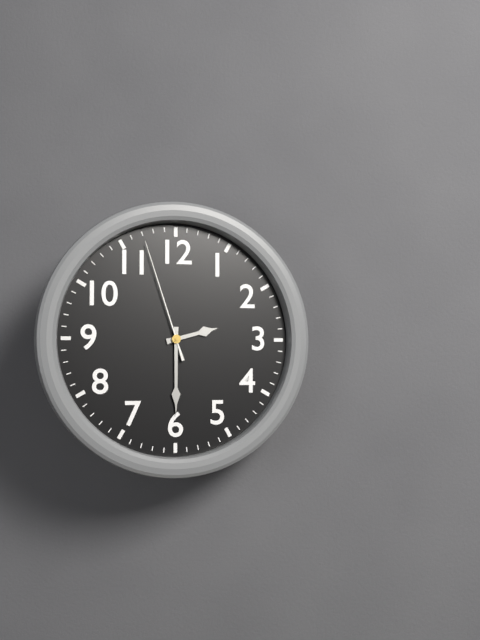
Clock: 2:30:57
